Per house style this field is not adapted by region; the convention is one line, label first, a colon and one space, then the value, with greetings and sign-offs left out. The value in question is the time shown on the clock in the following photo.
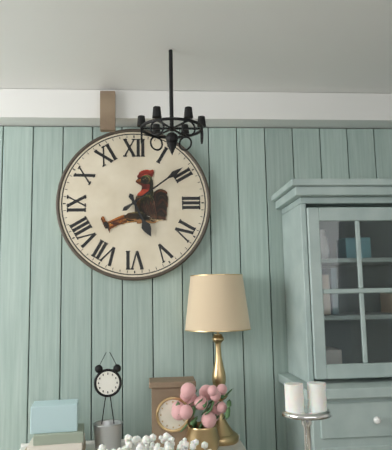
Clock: 5:09
